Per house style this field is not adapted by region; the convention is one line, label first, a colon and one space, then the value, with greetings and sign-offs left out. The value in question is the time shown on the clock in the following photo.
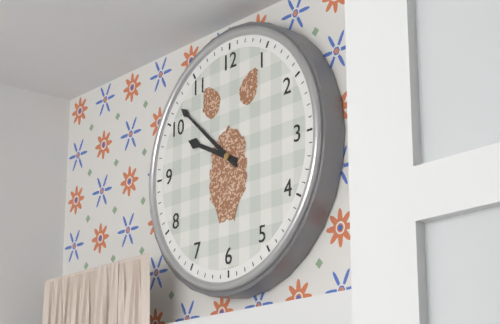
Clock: 9:52
